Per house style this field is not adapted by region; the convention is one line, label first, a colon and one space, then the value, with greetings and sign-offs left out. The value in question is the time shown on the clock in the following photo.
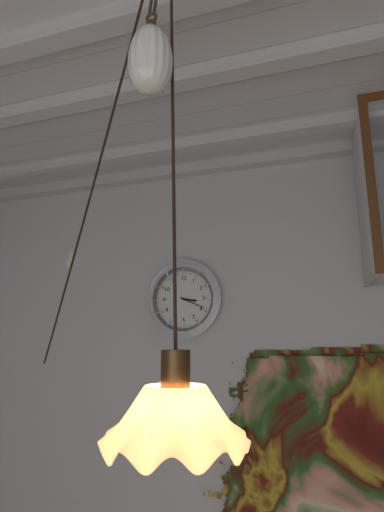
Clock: 3:19
